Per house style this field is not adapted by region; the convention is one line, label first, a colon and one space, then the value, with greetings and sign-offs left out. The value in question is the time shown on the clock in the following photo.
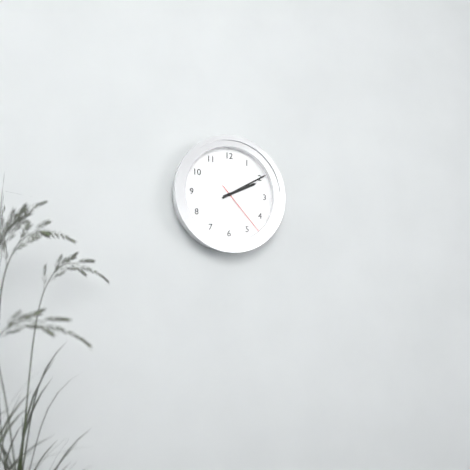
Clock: 2:10:23
